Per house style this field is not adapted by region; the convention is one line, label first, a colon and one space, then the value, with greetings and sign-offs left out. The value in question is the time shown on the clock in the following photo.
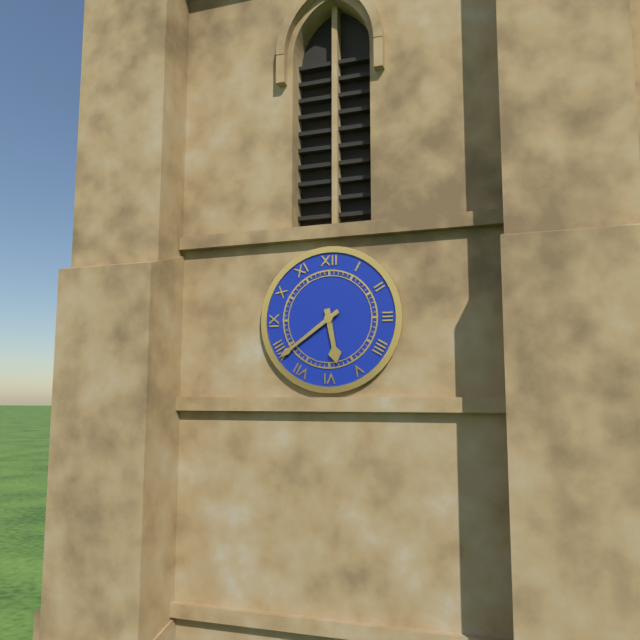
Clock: 5:39
